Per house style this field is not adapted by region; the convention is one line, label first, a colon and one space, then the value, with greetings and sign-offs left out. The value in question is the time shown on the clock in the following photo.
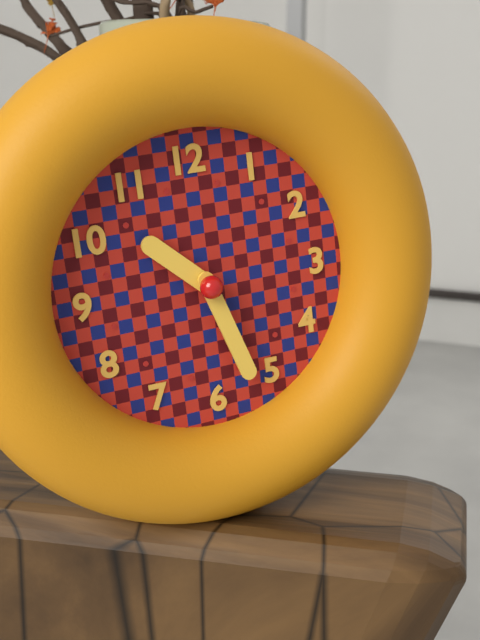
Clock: 10:27
